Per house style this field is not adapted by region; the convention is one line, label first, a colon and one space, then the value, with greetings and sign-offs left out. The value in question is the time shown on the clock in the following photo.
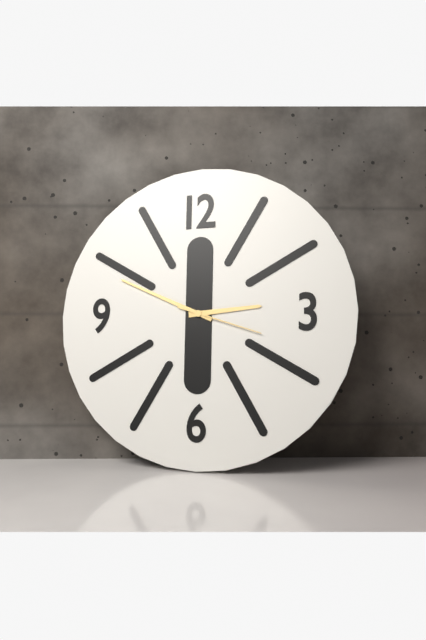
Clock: 2:49:18
